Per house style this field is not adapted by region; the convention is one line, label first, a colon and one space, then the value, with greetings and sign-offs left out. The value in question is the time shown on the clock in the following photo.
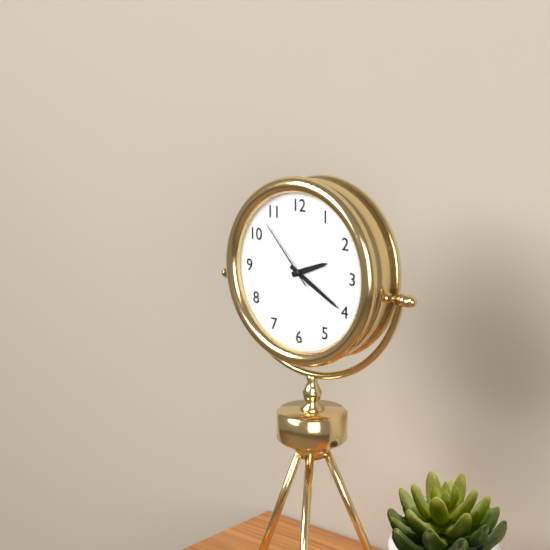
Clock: 2:20:53
